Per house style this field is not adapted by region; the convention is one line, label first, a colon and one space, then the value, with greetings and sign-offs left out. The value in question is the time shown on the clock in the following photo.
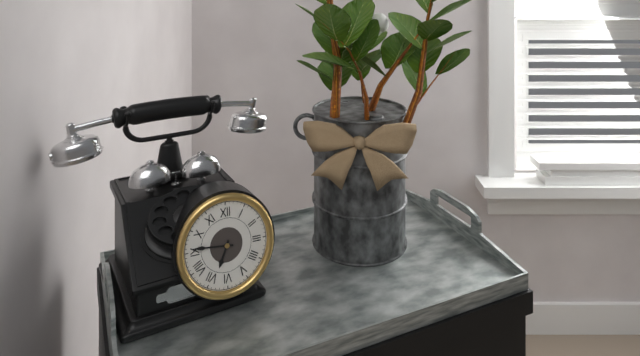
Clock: 6:46
